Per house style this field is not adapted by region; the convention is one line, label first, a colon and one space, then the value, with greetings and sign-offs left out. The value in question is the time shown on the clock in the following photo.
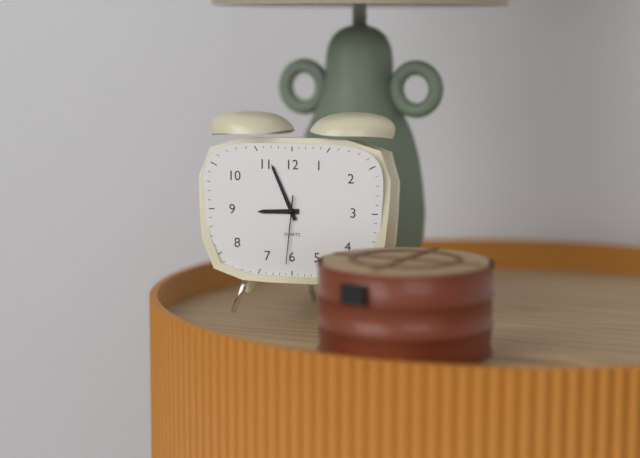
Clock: 8:56:31
